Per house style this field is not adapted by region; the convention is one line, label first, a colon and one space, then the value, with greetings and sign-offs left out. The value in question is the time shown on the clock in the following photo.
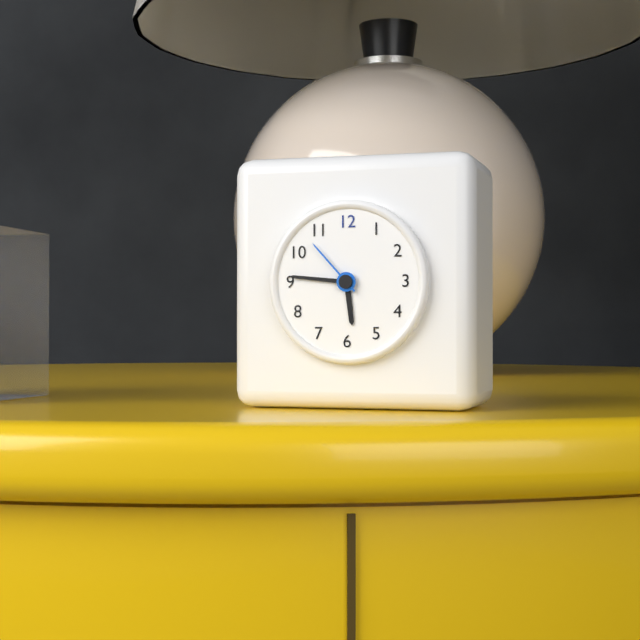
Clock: 5:46:53
